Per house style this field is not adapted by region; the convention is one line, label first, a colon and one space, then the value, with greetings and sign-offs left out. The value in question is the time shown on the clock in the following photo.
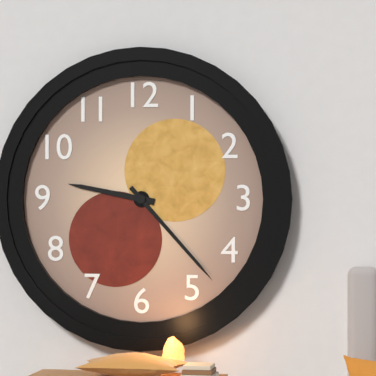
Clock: 9:23
